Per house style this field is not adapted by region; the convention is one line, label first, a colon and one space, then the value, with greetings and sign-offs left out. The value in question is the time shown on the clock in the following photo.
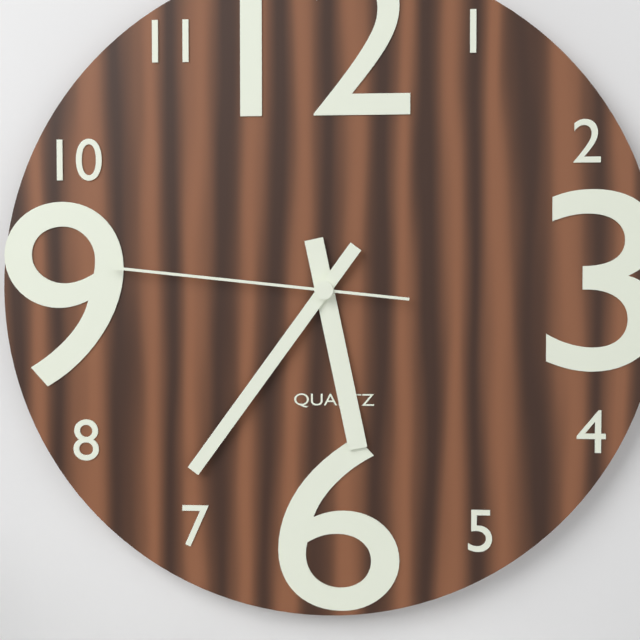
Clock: 5:36:46
